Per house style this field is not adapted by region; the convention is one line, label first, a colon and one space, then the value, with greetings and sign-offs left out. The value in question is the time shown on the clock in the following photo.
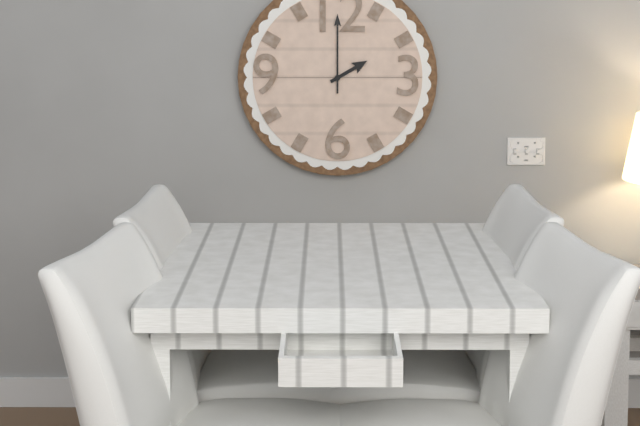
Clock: 2:00
